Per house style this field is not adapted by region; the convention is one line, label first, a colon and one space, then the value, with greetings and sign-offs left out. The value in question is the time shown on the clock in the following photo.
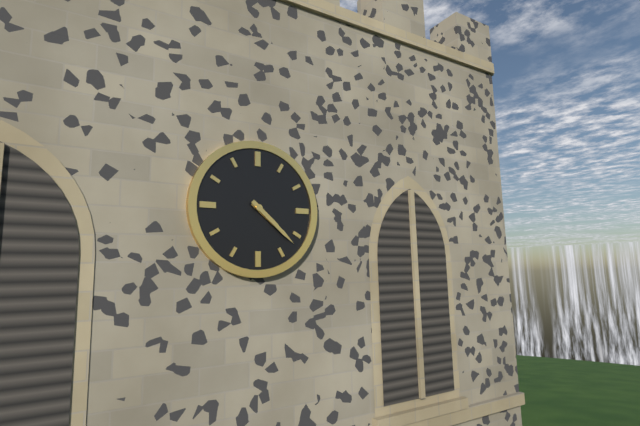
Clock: 4:22
